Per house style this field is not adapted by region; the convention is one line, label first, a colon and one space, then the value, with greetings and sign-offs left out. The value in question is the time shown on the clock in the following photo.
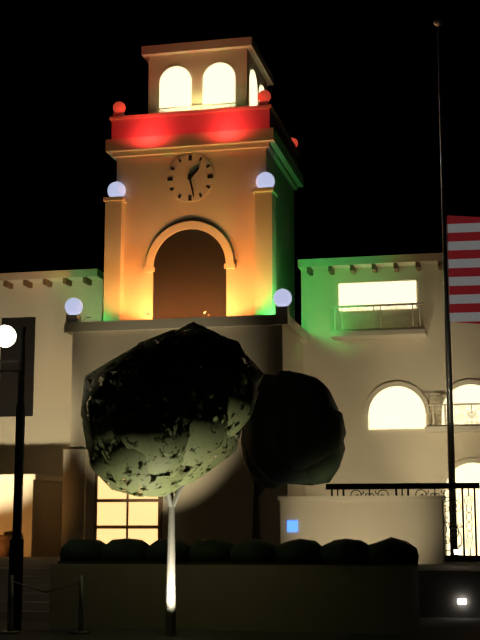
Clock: 1:28
